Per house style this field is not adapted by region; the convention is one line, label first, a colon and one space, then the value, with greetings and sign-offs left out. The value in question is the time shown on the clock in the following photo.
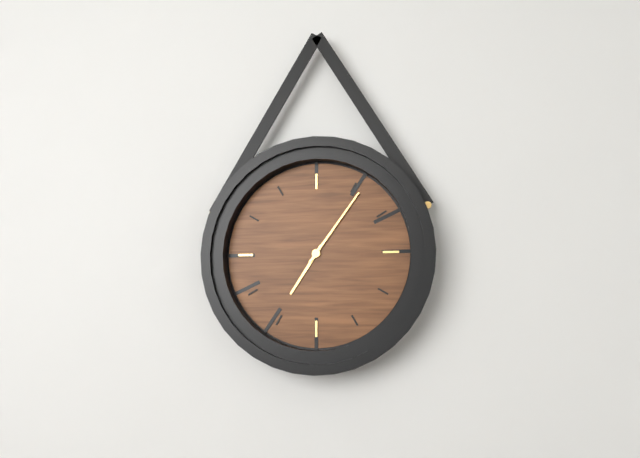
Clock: 7:06
